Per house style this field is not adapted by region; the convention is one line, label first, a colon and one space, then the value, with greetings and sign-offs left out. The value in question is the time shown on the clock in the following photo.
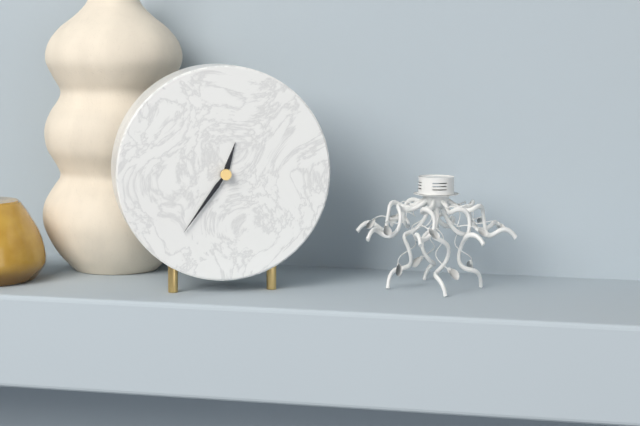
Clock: 12:36
